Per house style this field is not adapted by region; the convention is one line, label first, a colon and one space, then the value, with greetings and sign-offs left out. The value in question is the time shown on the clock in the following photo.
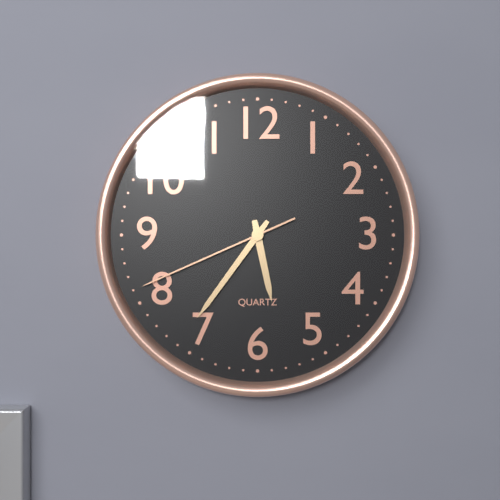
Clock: 5:36:41
